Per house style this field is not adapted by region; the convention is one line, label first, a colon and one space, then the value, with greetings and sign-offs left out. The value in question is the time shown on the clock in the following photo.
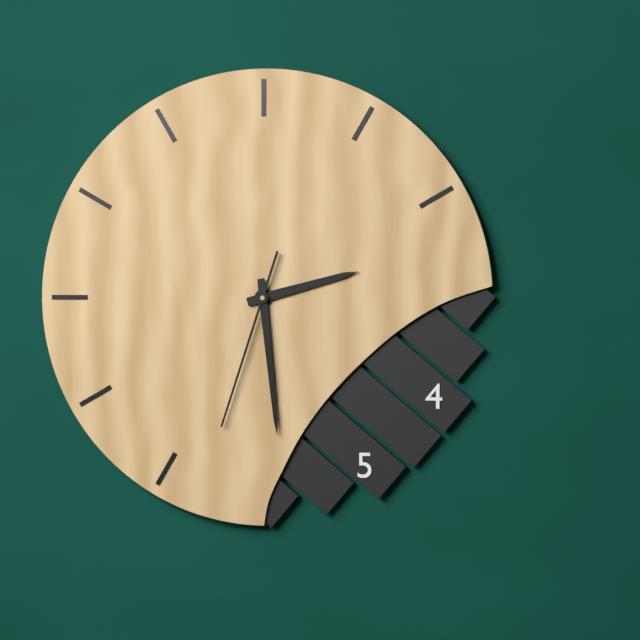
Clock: 2:29:33
